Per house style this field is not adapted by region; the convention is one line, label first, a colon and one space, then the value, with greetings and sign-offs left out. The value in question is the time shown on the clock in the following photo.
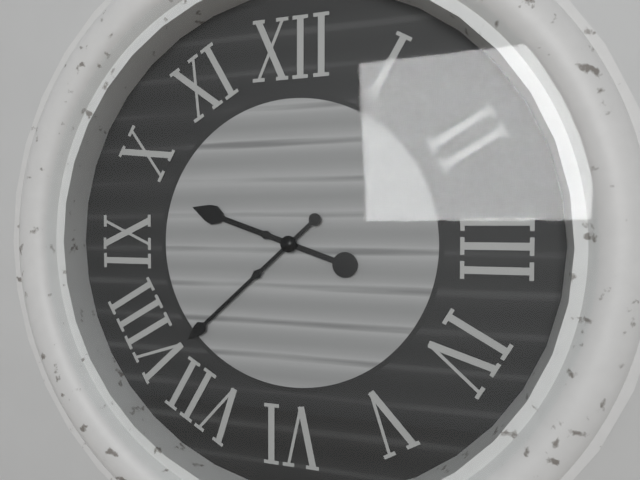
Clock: 9:38
